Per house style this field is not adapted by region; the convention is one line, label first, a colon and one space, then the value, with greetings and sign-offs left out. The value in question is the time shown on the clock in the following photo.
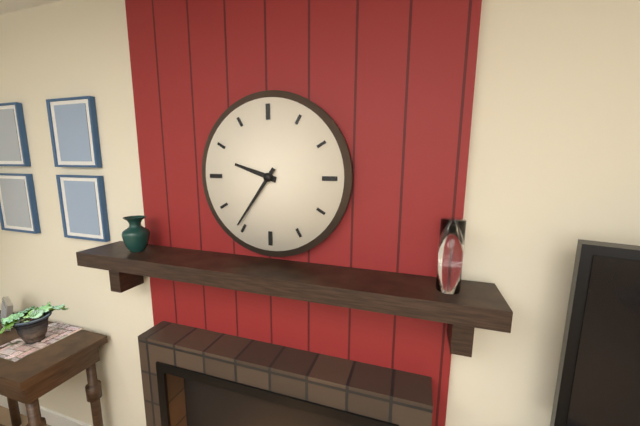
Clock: 9:36
